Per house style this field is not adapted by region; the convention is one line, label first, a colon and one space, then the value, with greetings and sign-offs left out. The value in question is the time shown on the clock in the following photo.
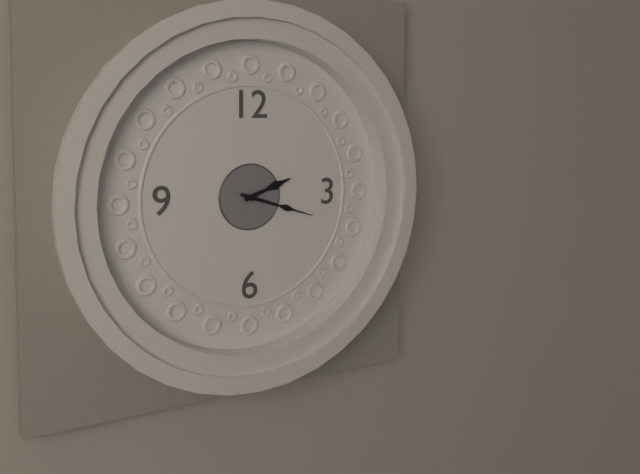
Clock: 2:18
